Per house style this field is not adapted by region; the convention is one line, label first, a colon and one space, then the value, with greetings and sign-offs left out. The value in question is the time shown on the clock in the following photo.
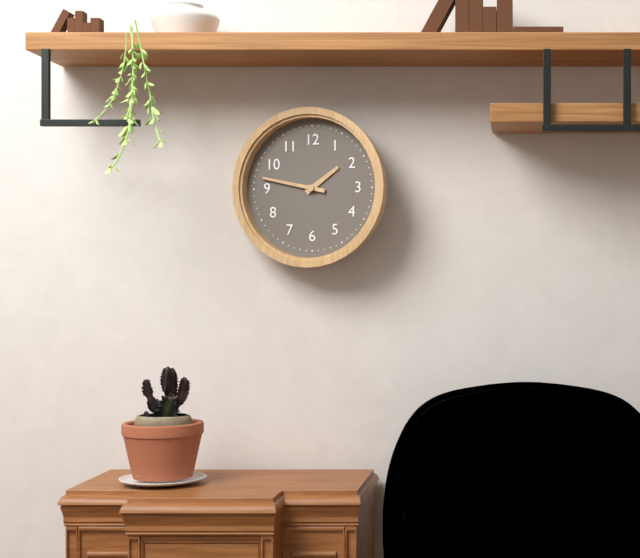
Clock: 1:47
